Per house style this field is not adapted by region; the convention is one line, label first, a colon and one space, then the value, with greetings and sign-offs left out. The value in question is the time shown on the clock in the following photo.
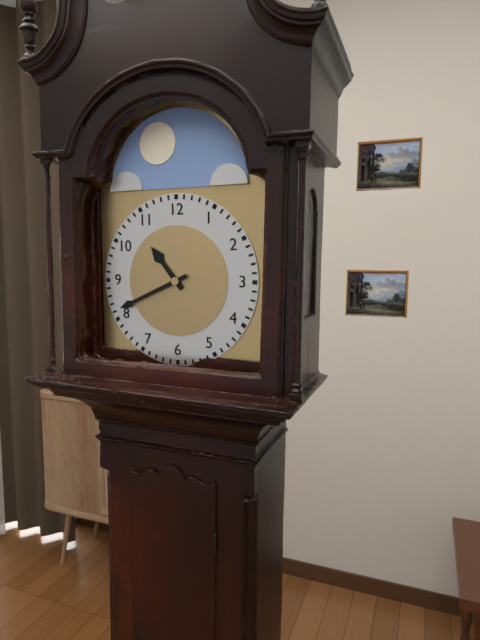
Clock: 10:41
